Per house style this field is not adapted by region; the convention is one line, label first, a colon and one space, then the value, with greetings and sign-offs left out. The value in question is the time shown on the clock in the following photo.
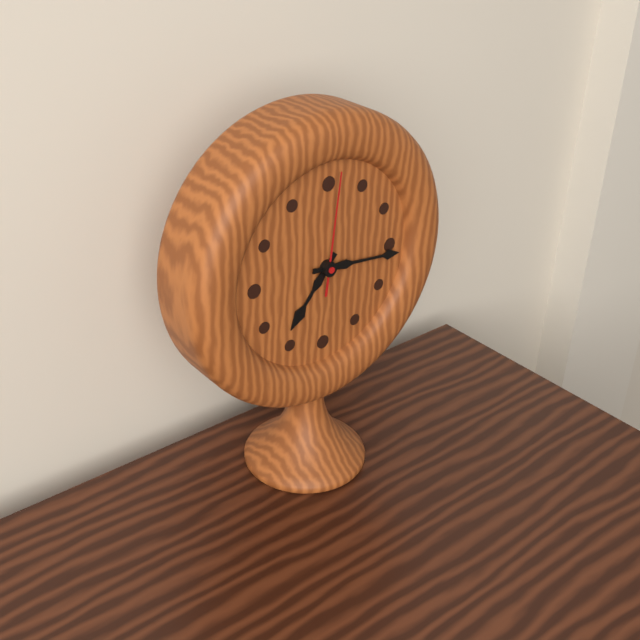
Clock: 7:16:01
